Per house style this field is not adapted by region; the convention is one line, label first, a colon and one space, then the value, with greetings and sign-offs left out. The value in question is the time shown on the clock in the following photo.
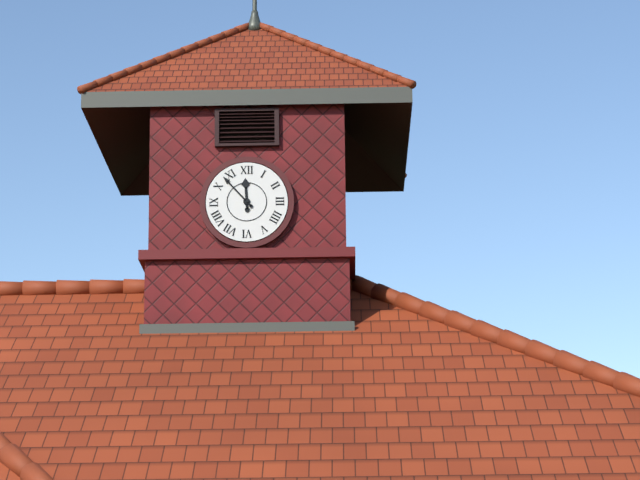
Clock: 11:53
